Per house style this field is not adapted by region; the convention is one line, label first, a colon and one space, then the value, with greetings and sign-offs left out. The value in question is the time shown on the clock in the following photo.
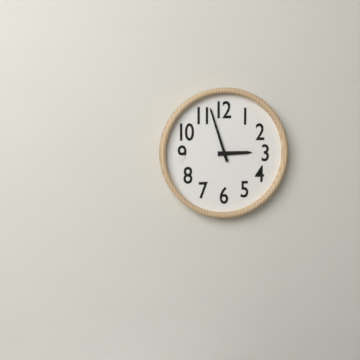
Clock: 2:57
